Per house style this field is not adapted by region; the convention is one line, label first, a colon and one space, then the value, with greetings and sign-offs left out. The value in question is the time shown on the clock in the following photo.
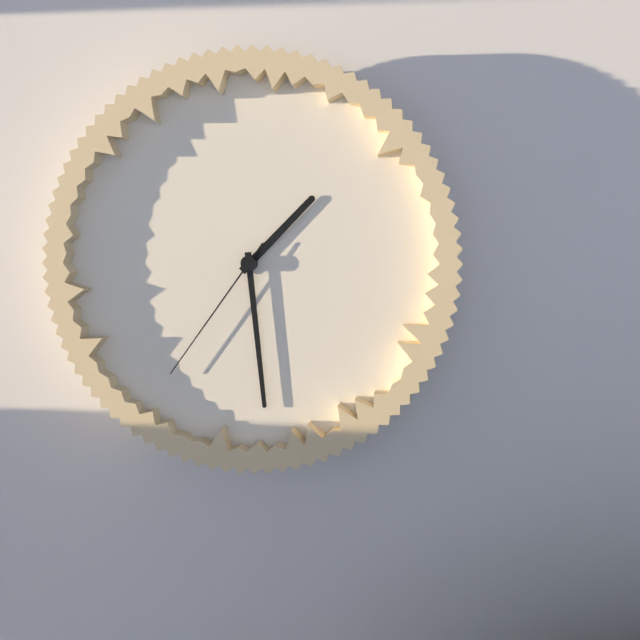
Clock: 1:29:36
